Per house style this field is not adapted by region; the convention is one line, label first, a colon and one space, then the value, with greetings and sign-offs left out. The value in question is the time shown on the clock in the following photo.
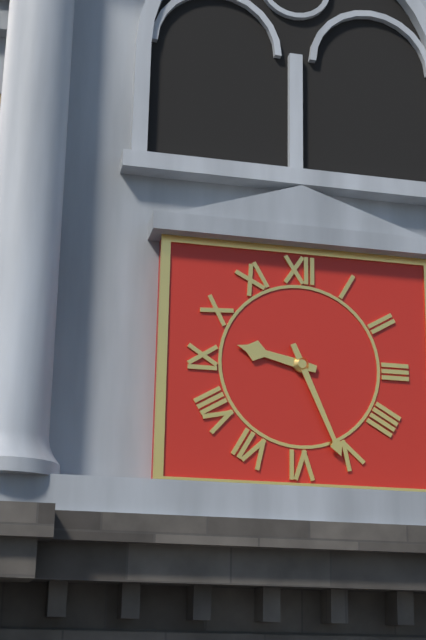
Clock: 9:26
